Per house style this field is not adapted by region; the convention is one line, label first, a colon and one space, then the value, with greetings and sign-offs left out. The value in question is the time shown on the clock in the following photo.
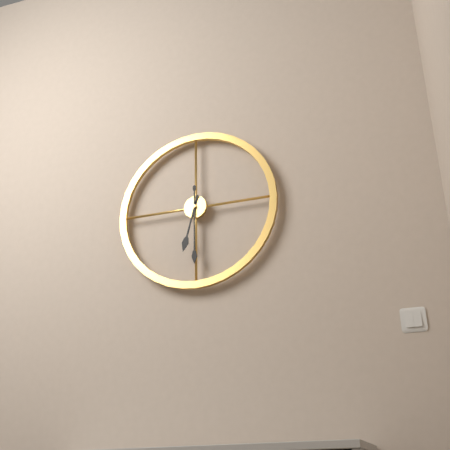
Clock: 6:30
